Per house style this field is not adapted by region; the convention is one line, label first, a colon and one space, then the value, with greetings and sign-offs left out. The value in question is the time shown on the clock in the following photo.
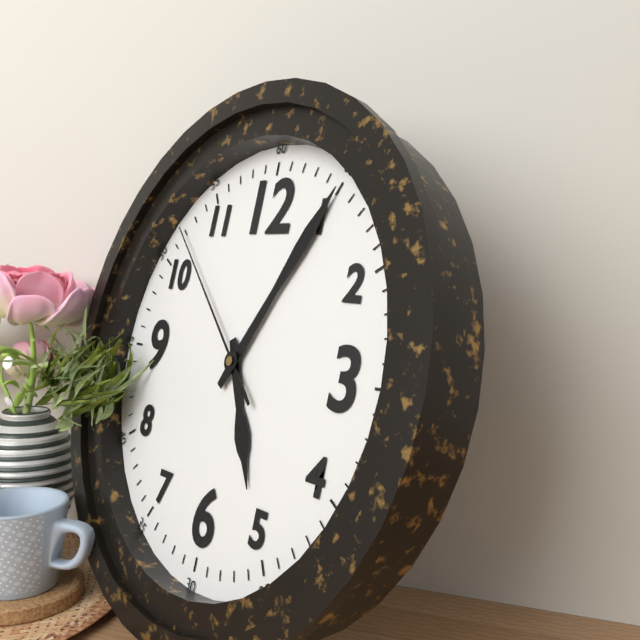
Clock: 5:05:52
